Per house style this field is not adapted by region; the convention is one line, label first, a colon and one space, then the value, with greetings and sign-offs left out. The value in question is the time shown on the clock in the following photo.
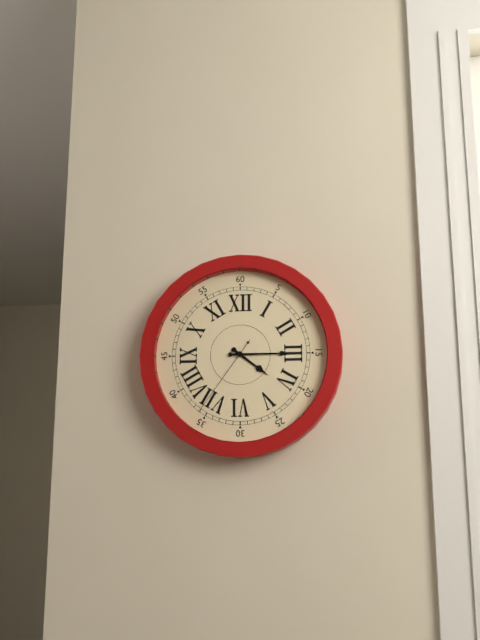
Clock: 4:15:36
